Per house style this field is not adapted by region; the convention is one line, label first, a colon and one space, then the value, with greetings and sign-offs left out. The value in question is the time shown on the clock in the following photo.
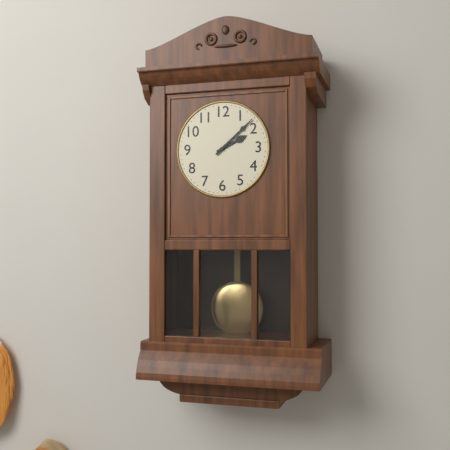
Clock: 2:08
